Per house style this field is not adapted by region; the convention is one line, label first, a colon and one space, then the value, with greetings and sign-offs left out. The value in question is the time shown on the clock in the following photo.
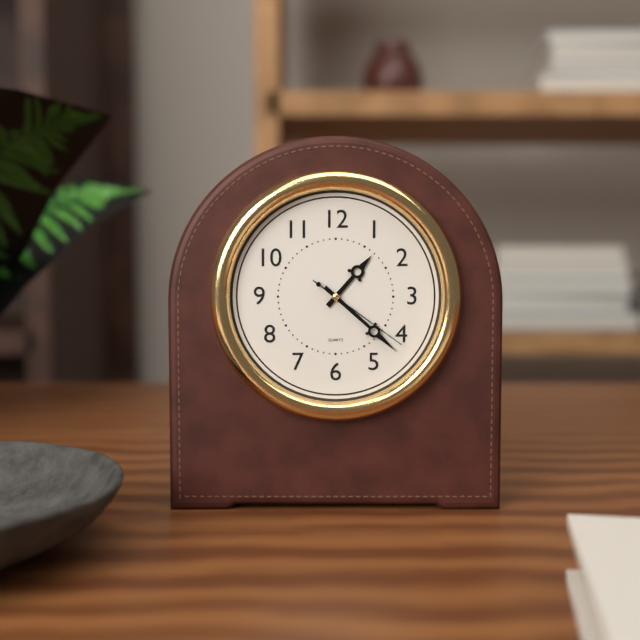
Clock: 1:22:21
